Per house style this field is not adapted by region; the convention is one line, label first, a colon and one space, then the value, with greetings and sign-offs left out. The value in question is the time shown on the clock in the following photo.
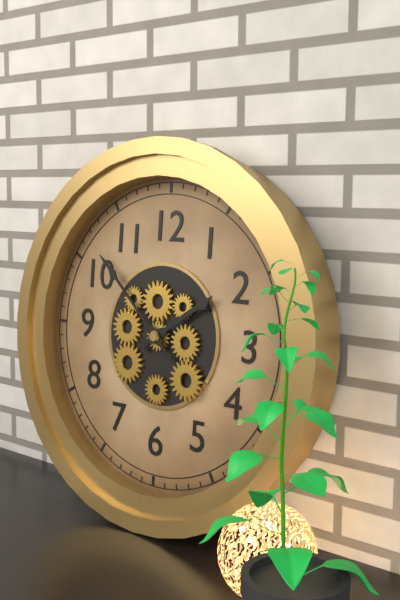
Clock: 1:52
